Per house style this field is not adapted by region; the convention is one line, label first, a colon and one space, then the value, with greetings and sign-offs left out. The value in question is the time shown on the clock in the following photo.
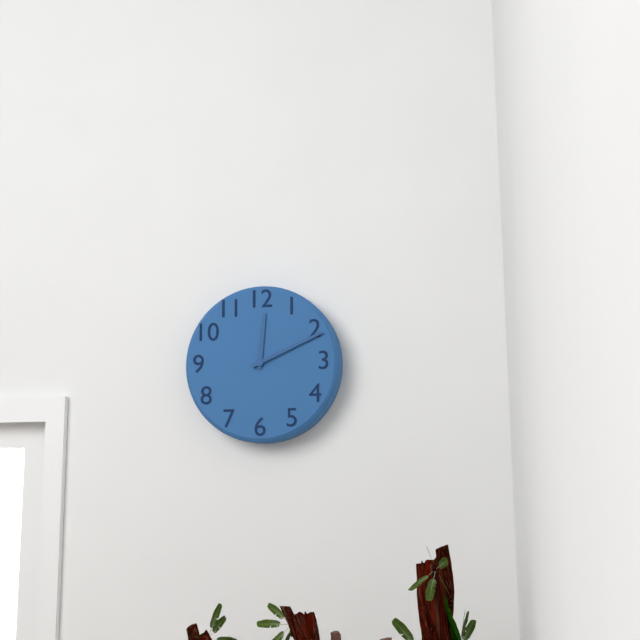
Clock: 12:11
